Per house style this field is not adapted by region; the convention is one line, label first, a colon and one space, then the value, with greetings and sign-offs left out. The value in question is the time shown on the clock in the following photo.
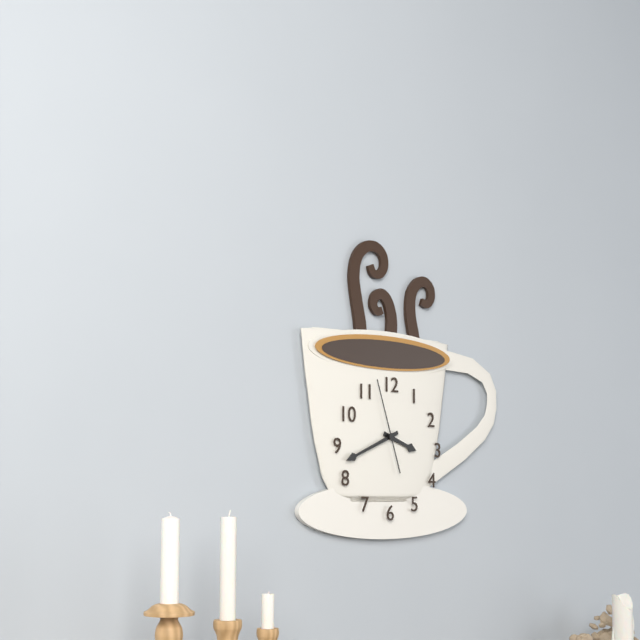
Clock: 3:41:57
